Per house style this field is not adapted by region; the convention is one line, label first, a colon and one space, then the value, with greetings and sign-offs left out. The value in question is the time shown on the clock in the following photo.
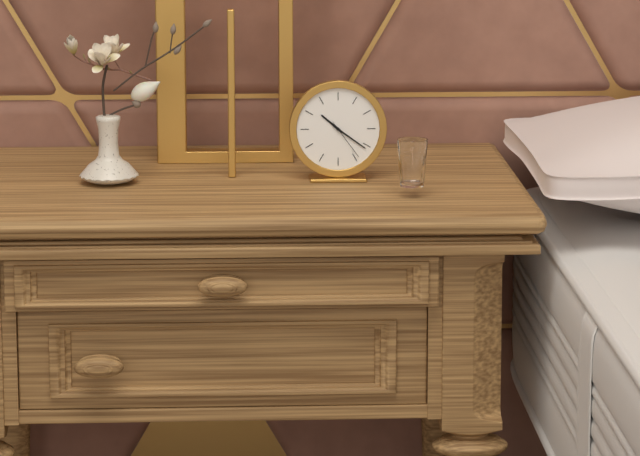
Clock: 10:21
